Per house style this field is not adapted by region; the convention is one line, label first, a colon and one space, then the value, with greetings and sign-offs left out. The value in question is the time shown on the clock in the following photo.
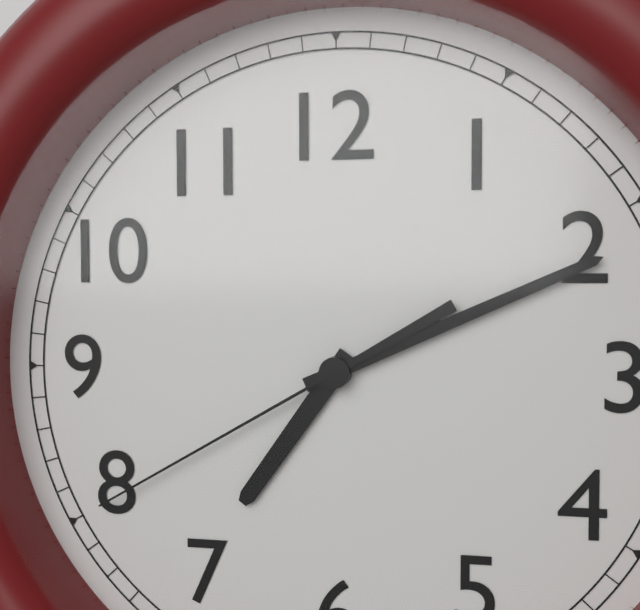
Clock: 7:11:40
